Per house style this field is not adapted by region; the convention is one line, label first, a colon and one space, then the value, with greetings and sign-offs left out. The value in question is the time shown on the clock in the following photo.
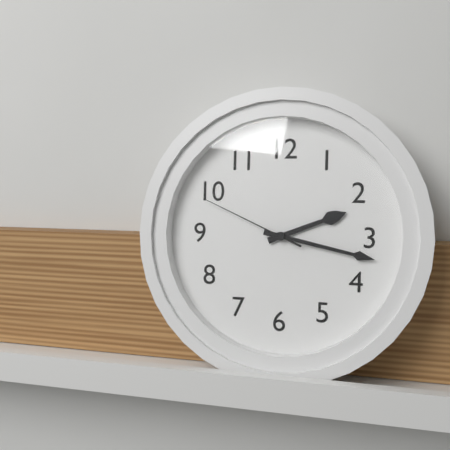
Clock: 2:17:49
